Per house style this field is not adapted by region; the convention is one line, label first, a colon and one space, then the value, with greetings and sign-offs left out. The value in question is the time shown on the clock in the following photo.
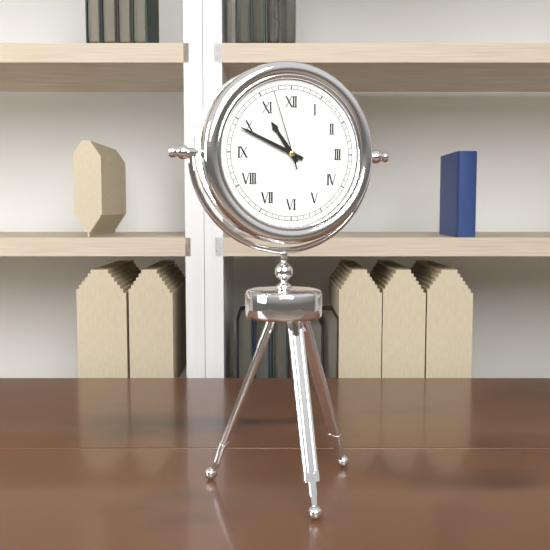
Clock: 10:49:57
